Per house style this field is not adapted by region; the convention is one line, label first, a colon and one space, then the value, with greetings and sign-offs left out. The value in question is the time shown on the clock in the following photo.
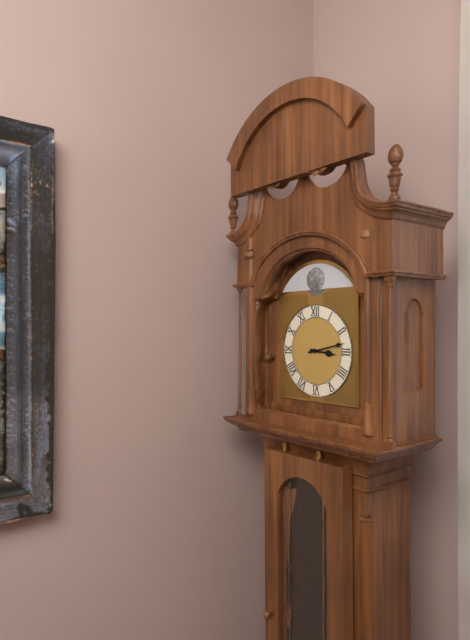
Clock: 3:13
